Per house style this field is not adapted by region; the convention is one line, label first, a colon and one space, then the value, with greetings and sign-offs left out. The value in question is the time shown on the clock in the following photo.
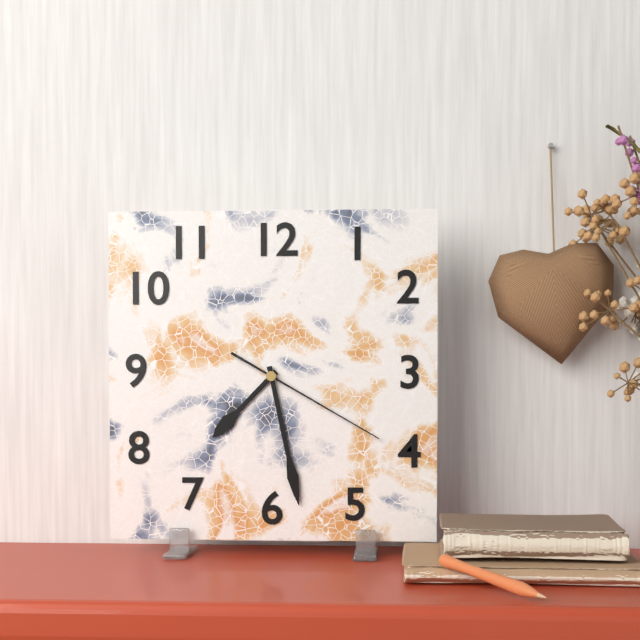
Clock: 7:28:20
